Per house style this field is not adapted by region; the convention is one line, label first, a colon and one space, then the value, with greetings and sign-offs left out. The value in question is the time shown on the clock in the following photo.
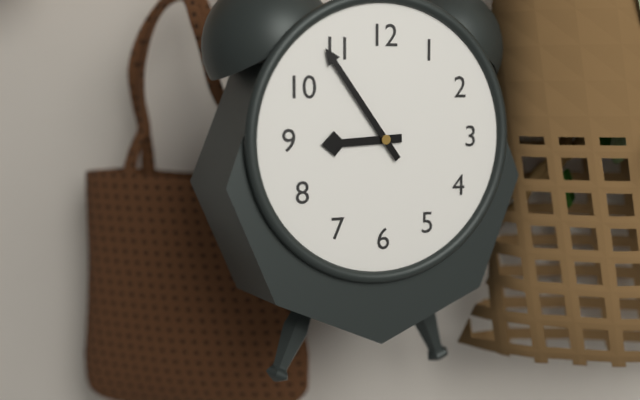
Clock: 8:54
